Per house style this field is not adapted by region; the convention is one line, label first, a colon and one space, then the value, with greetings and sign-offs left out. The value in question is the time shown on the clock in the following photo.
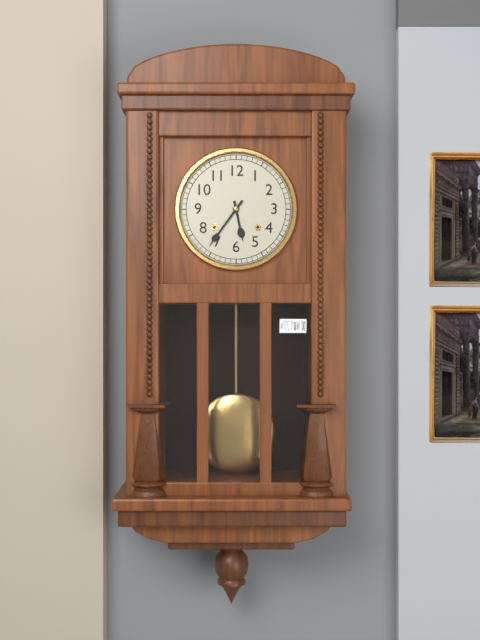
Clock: 5:36
